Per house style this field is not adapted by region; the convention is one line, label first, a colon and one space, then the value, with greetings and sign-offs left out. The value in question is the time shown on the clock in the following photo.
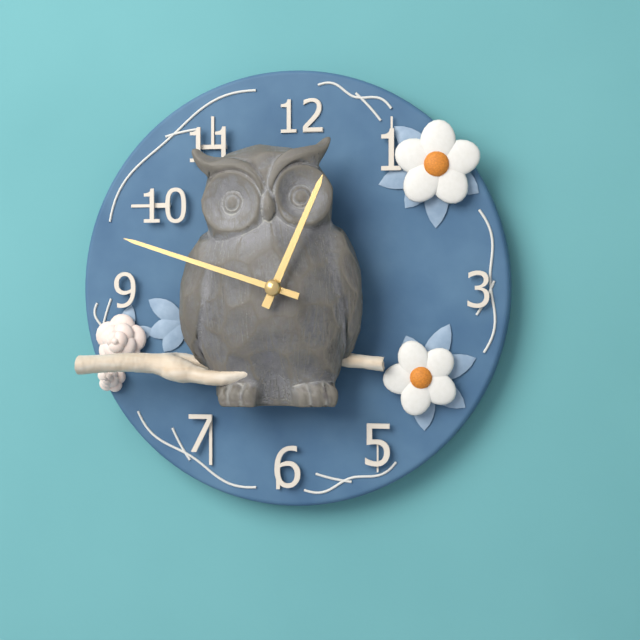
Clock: 12:48
